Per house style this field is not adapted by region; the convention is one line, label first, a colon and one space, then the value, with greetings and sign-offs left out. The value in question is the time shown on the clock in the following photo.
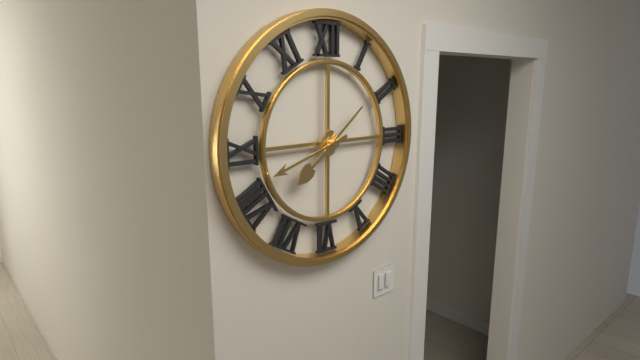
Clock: 7:42
